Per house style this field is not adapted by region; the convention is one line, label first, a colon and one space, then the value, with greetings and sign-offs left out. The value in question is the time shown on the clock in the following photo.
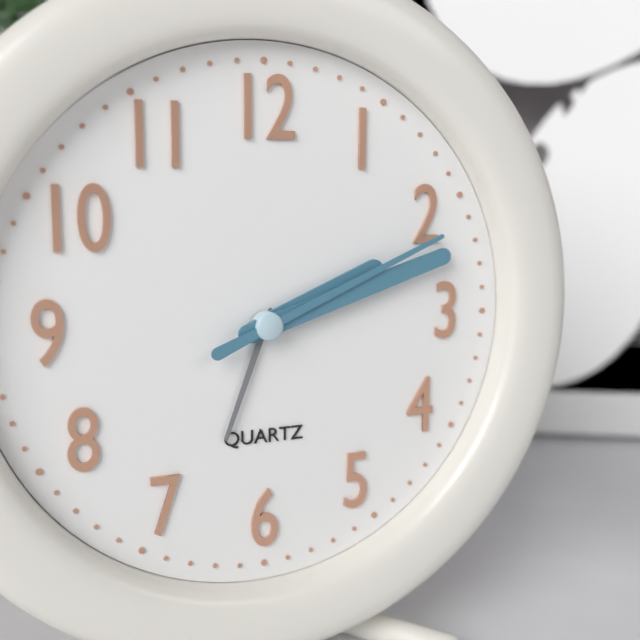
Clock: 2:12:11
